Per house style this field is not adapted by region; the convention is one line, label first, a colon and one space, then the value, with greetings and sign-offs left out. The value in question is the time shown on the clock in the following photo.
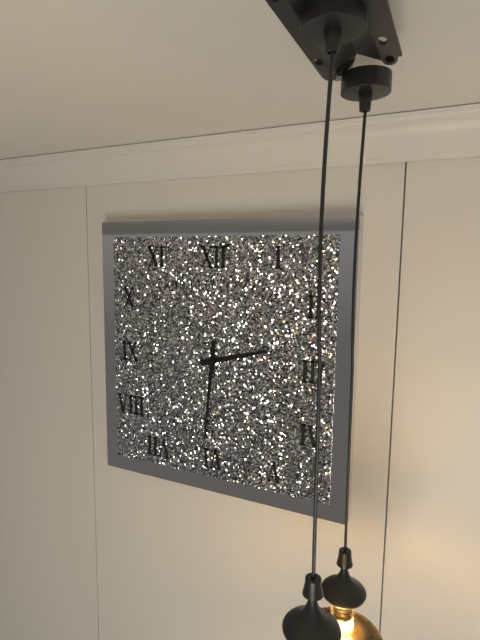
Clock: 2:31
